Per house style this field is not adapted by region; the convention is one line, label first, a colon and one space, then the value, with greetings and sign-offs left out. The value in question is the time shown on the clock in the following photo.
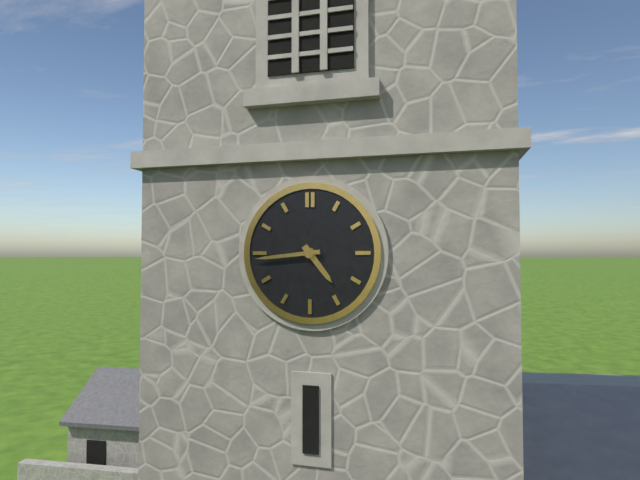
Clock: 4:44
